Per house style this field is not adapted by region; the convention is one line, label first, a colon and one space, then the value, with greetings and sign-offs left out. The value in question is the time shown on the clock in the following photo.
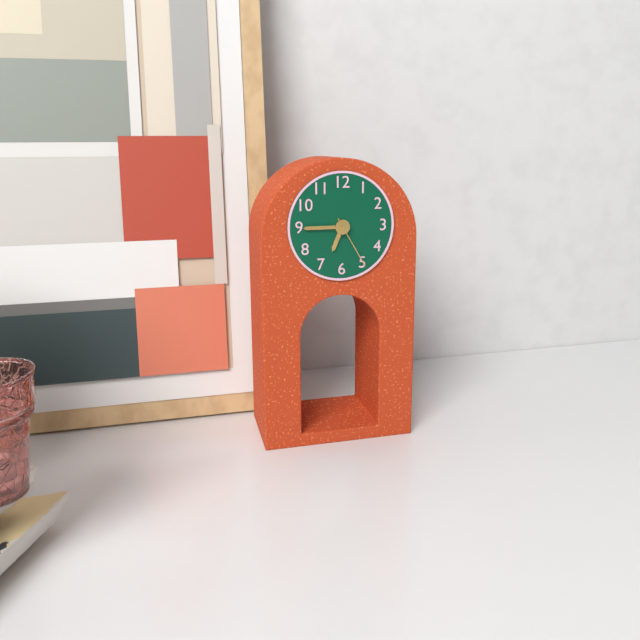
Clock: 6:45:25
